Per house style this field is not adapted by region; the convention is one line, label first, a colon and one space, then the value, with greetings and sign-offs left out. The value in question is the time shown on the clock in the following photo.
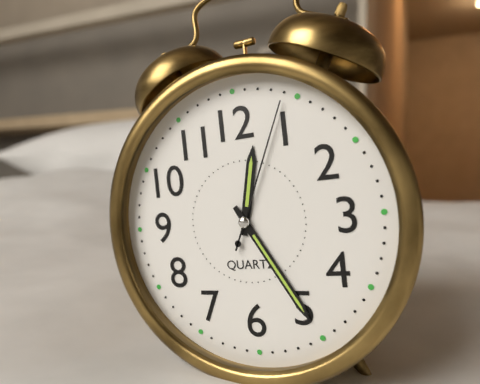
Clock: 12:25:04
